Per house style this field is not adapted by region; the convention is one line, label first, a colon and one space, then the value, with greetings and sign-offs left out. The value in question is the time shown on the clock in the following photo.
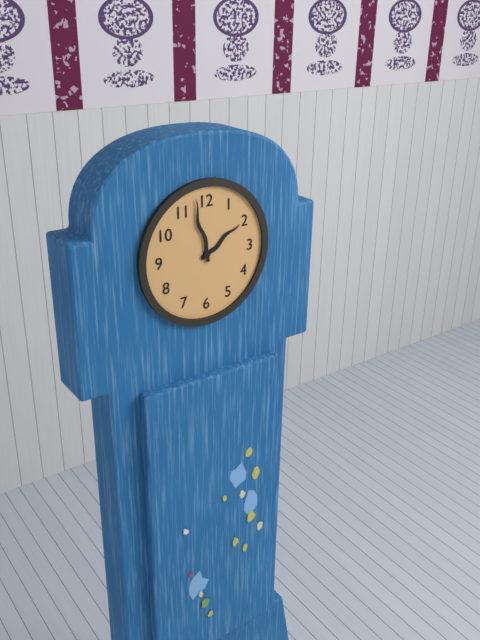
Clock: 1:58
